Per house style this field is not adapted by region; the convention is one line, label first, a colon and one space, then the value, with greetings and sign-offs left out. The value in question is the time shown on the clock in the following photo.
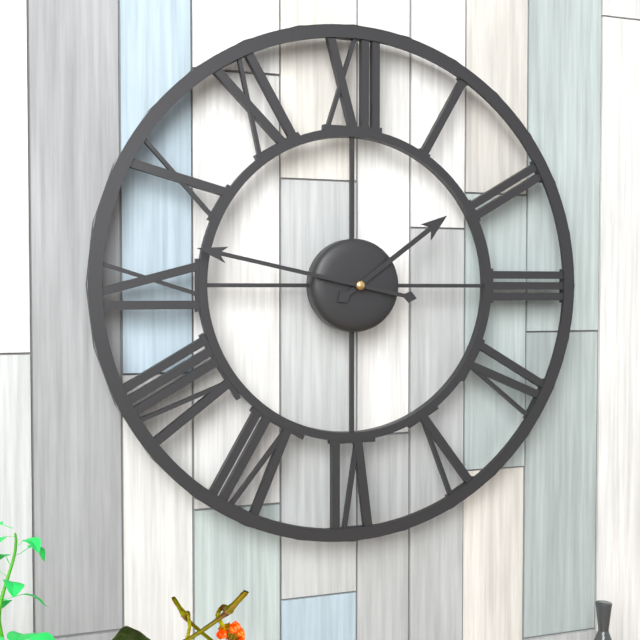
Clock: 1:47
